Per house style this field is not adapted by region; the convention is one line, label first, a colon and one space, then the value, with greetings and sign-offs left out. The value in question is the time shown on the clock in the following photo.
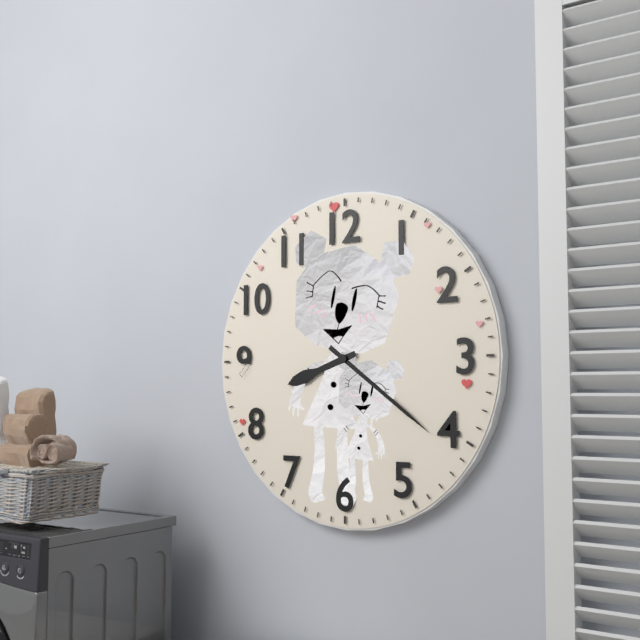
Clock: 8:21
